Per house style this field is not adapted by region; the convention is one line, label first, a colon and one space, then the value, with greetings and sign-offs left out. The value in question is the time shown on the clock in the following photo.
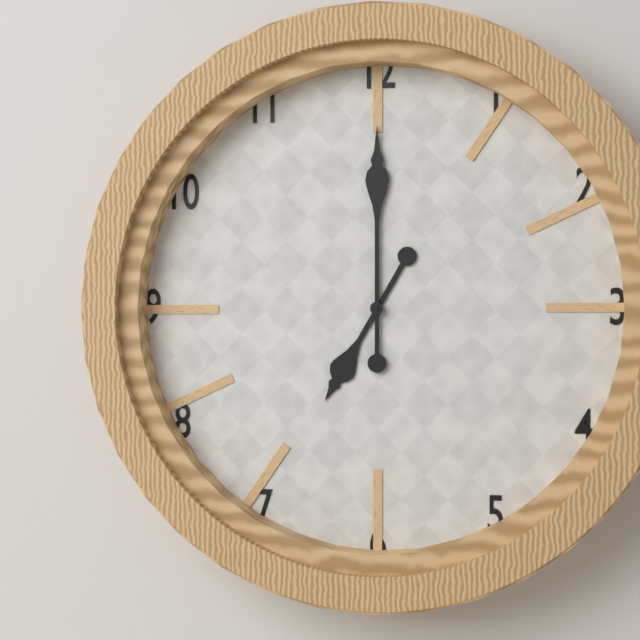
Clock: 7:00
